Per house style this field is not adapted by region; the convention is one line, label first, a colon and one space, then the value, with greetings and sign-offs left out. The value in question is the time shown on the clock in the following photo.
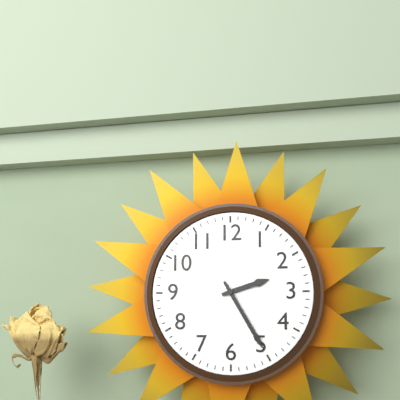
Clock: 2:25
